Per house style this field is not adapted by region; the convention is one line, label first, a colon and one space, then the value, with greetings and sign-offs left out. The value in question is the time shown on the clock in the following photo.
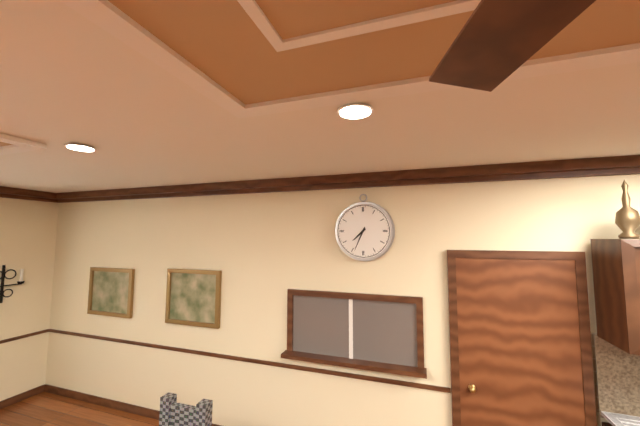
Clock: 7:34
